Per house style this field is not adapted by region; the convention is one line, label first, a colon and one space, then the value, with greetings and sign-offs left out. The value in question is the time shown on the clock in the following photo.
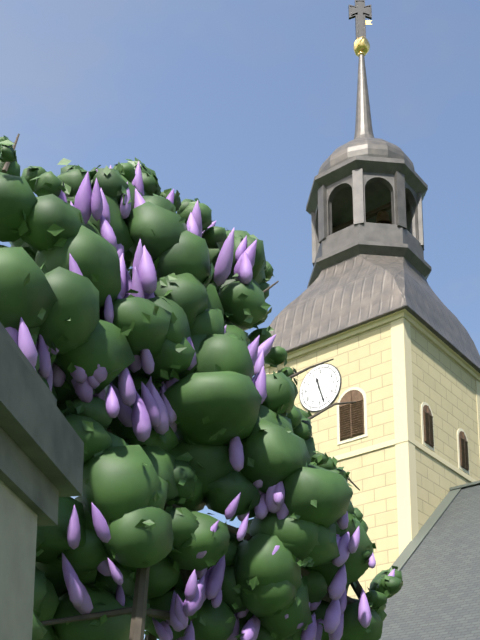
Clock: 11:27
